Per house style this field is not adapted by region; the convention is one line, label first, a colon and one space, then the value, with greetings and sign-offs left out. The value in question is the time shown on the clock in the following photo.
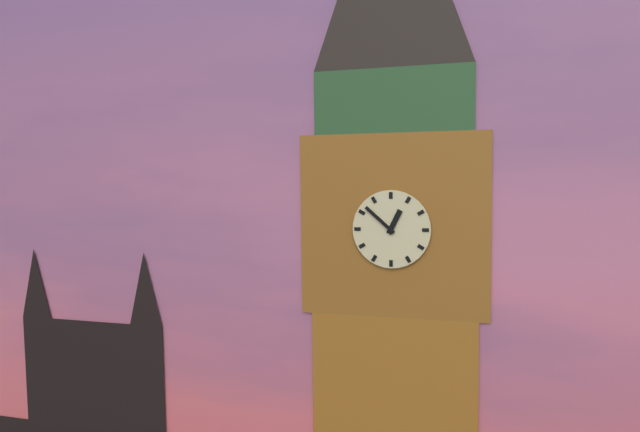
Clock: 12:52
